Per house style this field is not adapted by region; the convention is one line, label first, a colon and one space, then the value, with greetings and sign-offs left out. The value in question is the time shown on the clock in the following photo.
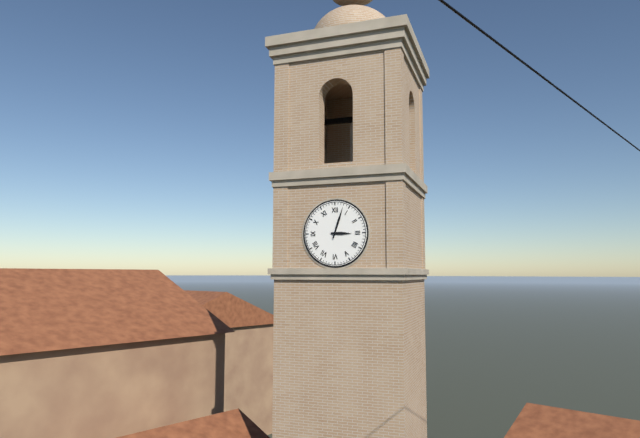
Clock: 3:03
